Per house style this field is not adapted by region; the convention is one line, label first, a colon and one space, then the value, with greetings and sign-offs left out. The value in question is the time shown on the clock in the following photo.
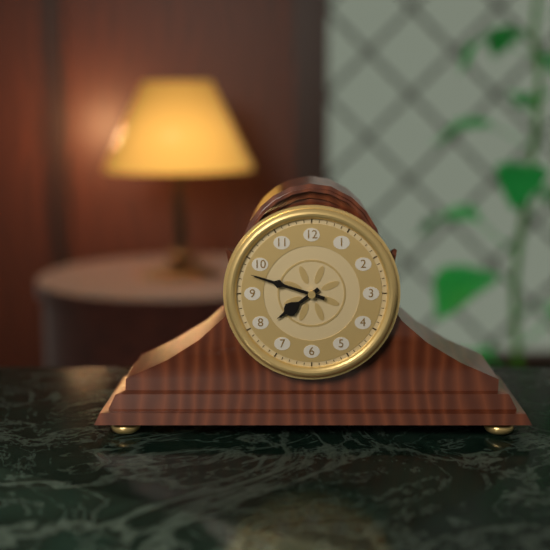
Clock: 7:48
